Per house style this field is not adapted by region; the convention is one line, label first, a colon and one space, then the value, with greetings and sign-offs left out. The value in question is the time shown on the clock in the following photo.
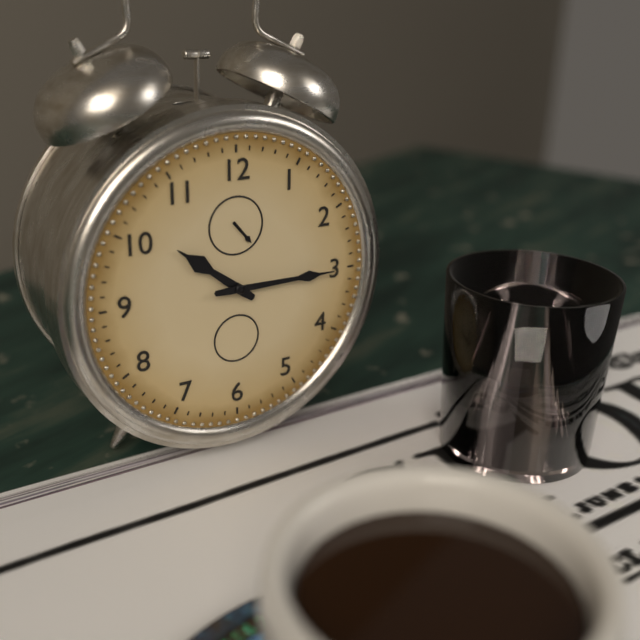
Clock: 10:15
